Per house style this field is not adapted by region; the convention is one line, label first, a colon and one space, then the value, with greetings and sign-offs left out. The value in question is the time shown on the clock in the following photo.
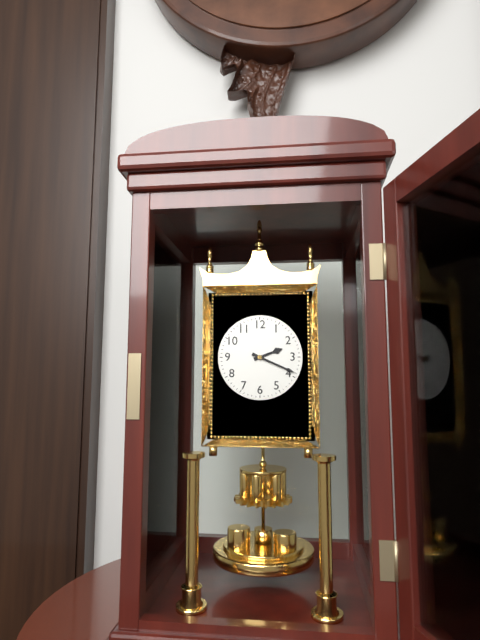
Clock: 2:19
